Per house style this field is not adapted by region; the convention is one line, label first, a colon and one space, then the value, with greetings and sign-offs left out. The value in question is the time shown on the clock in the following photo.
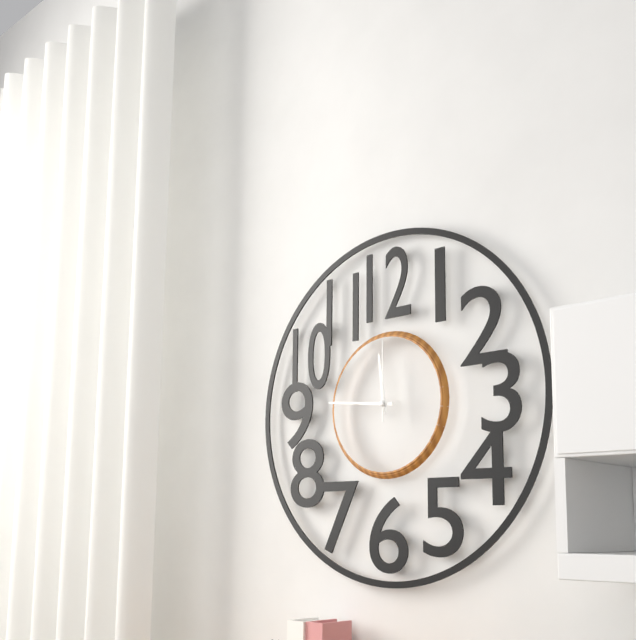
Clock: 11:46:00
